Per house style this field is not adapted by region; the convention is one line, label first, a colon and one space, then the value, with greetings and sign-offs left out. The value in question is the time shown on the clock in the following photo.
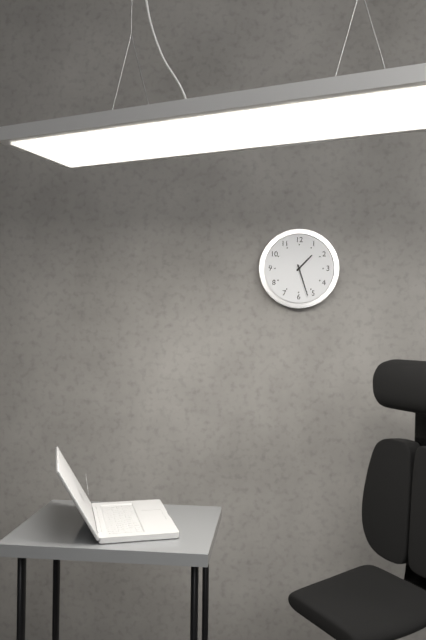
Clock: 1:27
